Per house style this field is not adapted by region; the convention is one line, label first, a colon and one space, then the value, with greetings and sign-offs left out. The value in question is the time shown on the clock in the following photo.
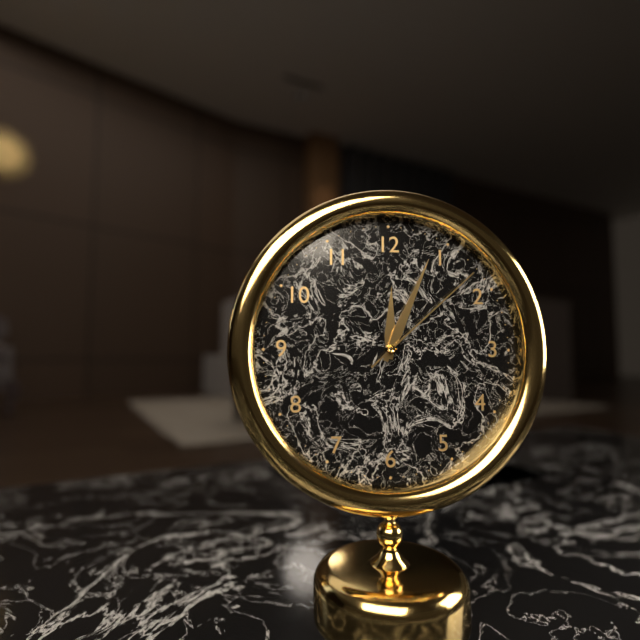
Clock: 12:04:08
